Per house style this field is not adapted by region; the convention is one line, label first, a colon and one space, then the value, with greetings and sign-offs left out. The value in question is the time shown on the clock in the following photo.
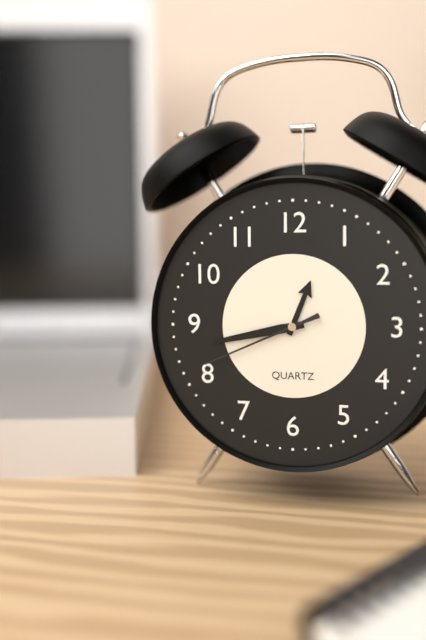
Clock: 12:43:41
